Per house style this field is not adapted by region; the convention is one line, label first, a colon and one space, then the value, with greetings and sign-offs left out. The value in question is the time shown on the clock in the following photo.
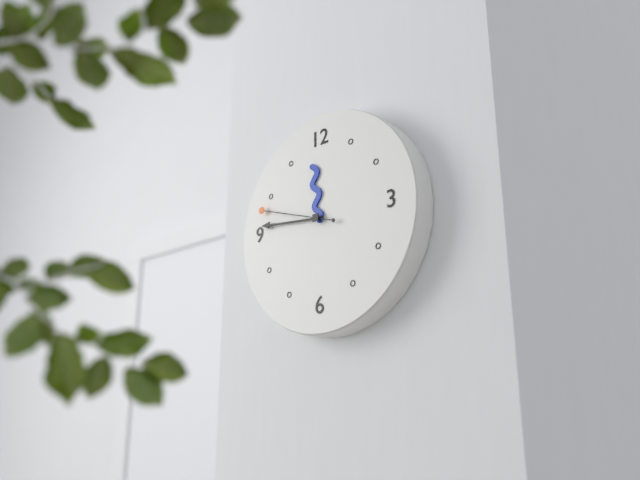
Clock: 11:46:48
